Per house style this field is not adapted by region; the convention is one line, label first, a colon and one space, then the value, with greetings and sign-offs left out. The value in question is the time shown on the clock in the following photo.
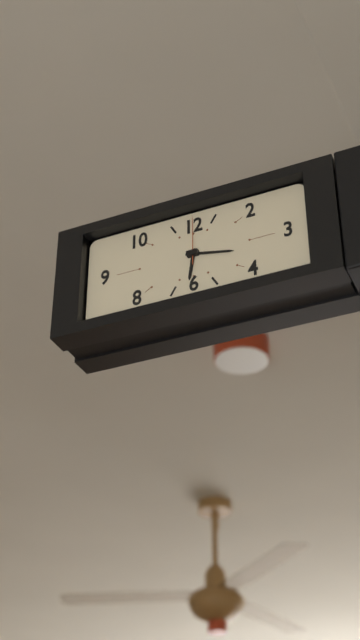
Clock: 6:17
